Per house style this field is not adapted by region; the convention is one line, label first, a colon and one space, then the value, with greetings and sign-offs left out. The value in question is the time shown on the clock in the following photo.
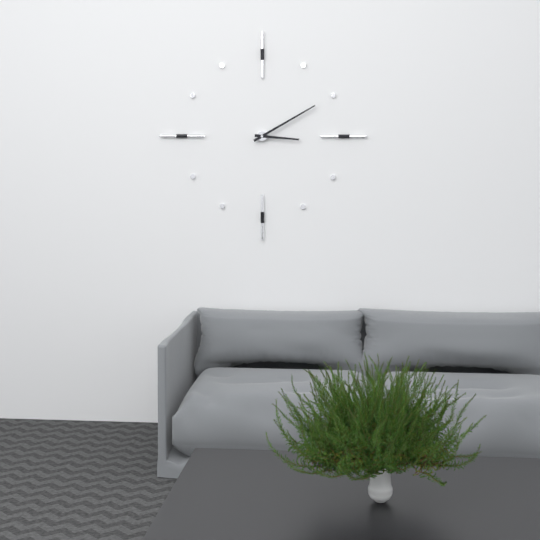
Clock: 3:10
